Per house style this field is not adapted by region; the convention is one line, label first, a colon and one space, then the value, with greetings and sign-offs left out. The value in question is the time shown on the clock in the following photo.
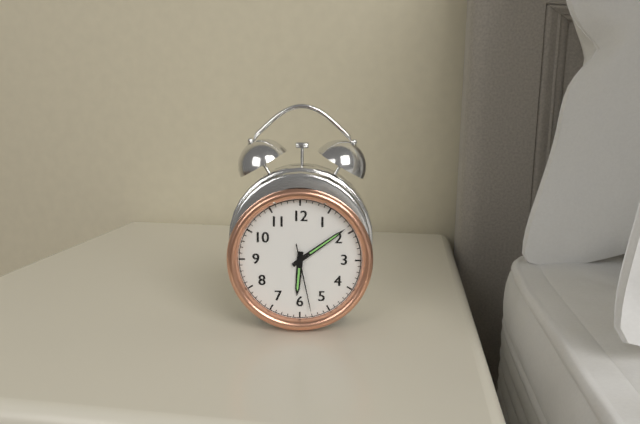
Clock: 6:09:28
